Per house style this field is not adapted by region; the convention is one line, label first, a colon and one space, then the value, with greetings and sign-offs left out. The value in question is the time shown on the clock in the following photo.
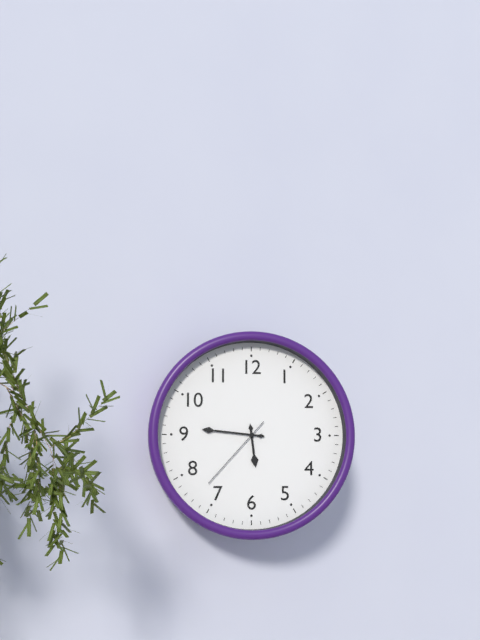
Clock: 5:46:37
